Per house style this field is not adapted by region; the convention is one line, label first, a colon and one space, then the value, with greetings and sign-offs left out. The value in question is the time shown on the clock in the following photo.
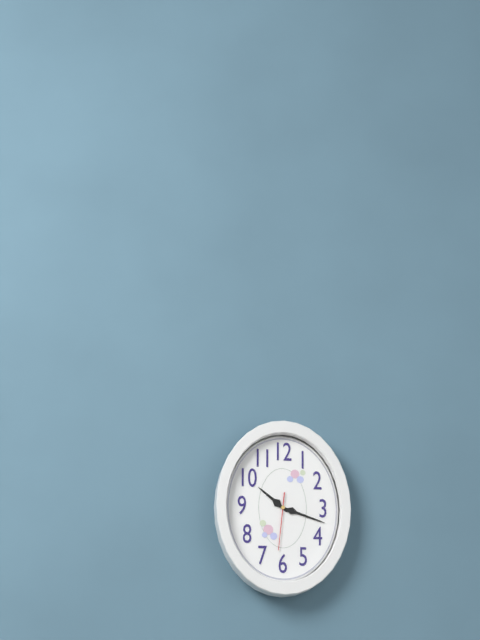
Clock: 10:18:31
